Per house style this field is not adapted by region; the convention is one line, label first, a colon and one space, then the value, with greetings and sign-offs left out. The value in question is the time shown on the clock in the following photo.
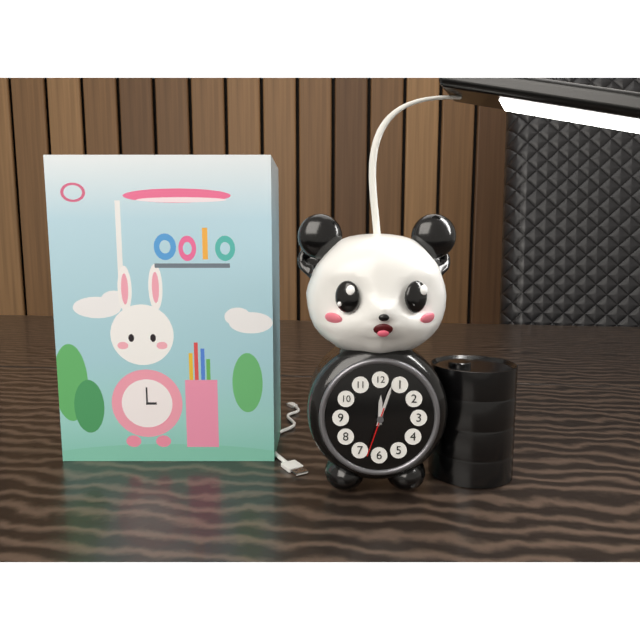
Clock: 12:03
